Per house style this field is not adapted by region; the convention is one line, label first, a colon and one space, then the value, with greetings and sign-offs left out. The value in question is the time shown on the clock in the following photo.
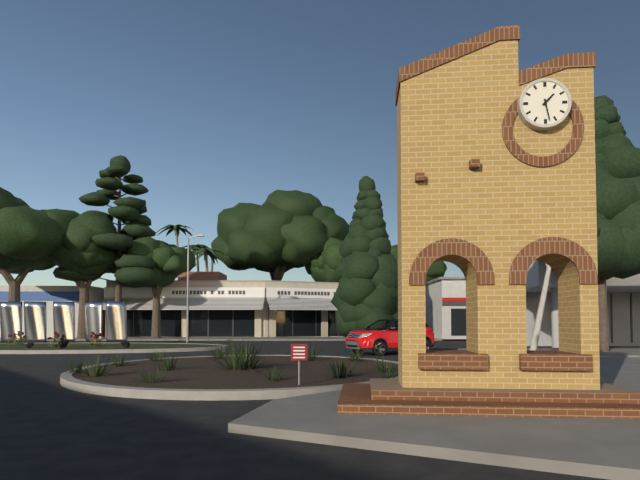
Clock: 1:28
